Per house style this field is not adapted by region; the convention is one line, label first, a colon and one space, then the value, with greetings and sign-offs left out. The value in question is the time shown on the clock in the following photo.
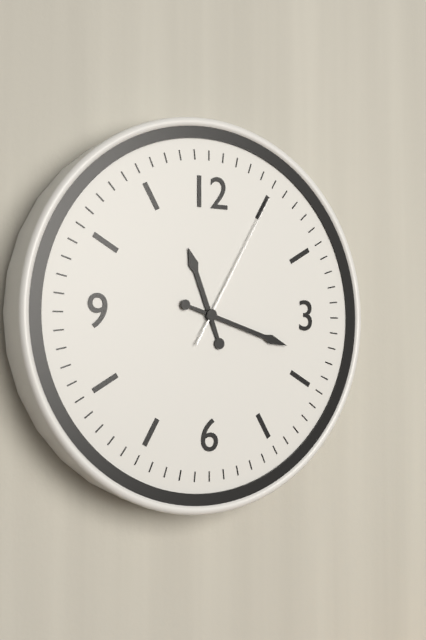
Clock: 11:18:05
